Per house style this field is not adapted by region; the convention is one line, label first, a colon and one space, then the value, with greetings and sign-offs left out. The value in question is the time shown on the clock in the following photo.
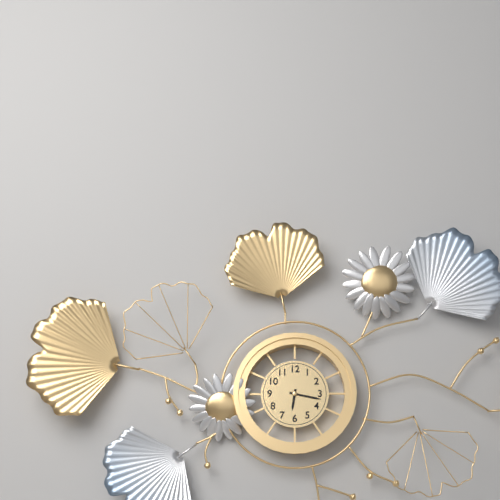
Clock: 6:17
